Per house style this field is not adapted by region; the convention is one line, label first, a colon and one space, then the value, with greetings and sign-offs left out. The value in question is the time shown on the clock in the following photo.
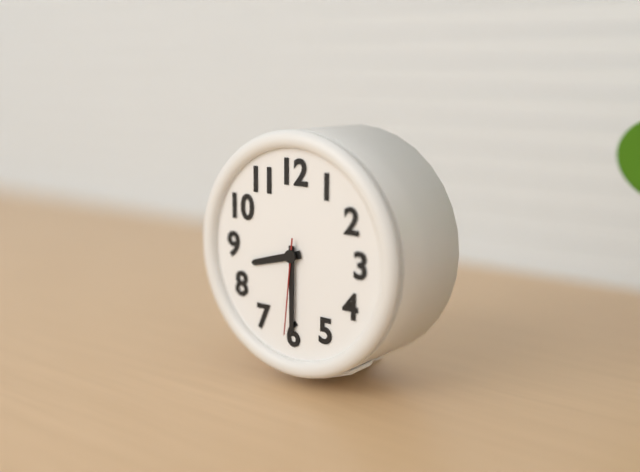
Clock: 8:30:31
